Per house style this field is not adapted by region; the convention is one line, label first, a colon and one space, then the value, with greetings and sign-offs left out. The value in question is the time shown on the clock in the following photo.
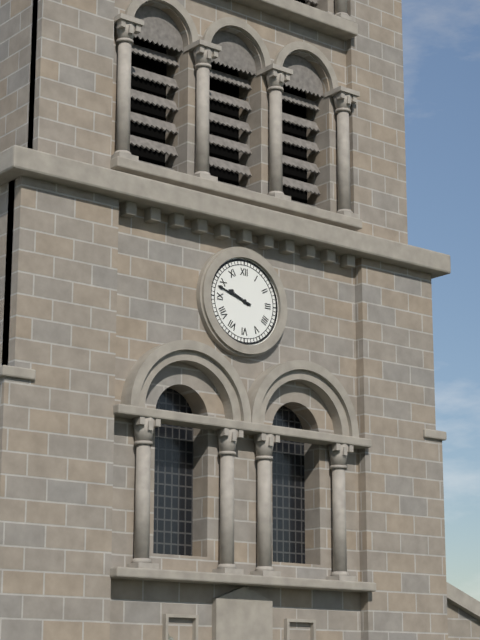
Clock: 9:48
